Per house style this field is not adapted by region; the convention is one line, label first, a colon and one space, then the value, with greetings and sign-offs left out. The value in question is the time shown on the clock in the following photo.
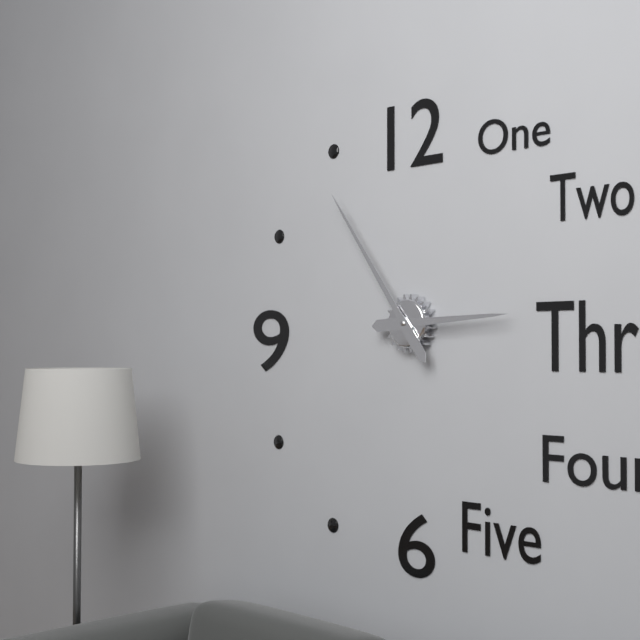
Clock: 2:54
